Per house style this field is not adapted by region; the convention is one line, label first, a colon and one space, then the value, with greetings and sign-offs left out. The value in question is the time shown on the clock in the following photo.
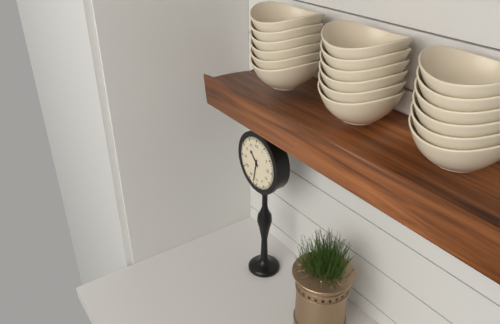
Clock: 10:32
